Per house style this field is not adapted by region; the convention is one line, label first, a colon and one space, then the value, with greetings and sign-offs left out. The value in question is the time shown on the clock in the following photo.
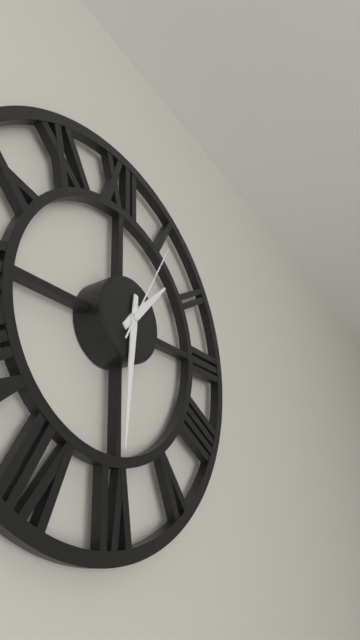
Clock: 1:31:05
